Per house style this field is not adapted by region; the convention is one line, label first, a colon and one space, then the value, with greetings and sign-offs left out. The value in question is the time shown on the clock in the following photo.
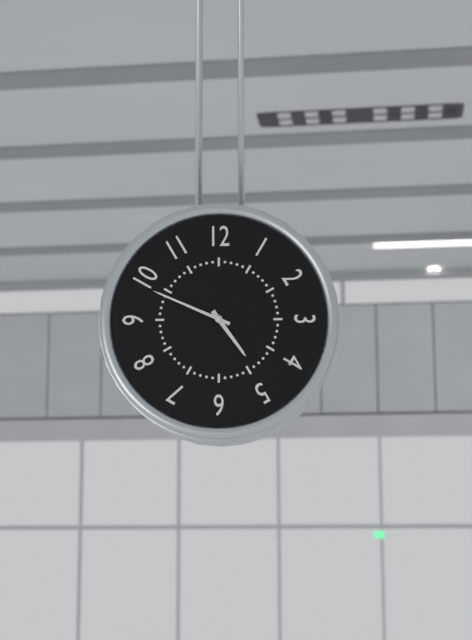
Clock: 4:49
